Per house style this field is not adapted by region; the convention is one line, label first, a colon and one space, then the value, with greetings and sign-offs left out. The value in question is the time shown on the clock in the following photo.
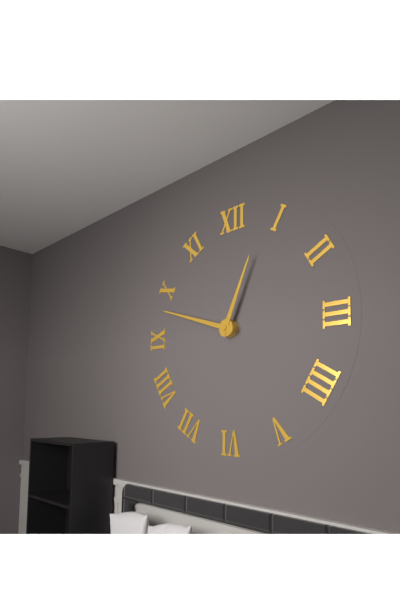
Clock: 12:48
